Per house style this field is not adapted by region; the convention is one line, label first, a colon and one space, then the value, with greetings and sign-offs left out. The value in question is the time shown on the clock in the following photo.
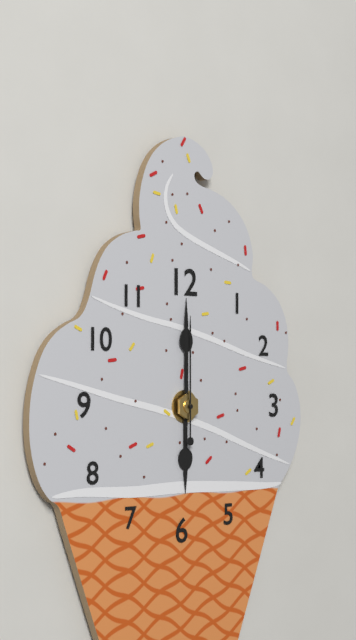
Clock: 6:00:00
